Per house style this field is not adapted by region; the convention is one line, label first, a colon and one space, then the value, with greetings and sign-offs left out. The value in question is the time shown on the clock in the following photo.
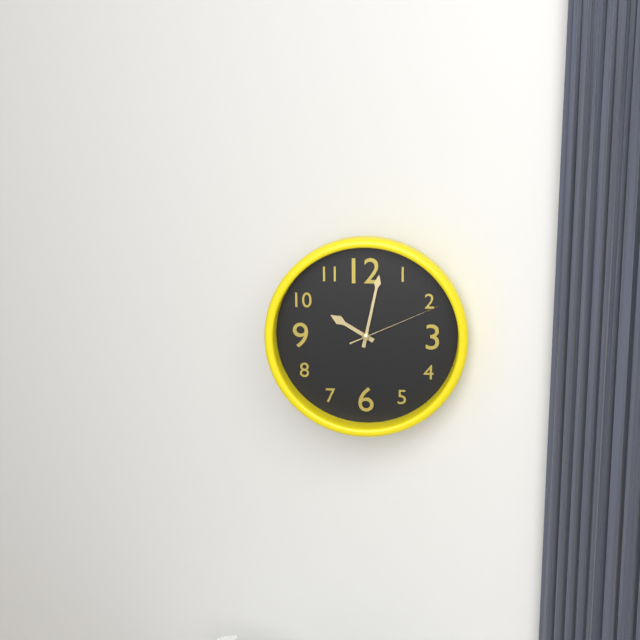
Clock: 10:02:11
